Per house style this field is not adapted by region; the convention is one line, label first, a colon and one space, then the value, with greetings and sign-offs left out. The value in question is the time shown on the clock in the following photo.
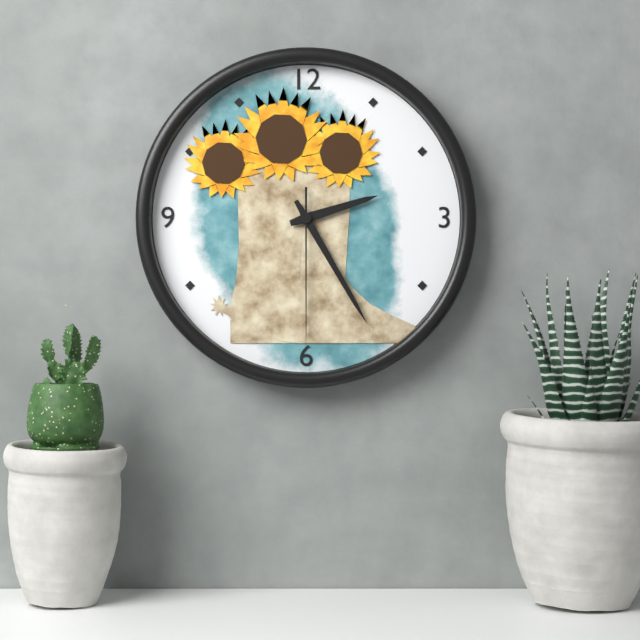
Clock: 2:25:30
